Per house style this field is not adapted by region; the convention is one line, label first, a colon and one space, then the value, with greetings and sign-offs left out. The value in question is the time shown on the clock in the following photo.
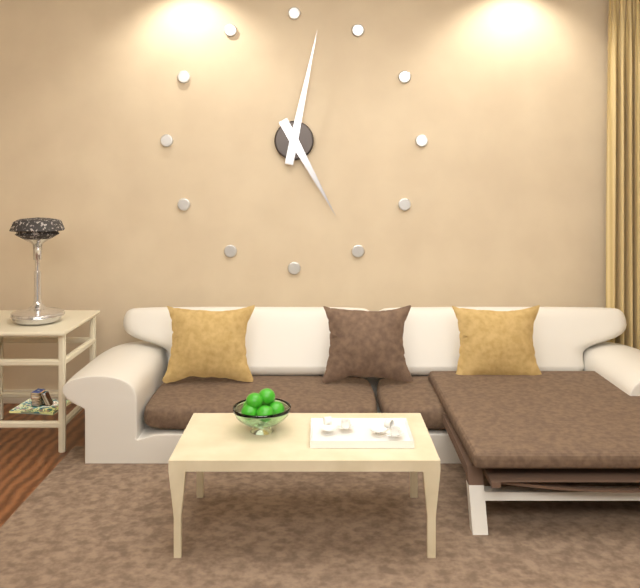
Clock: 5:02
